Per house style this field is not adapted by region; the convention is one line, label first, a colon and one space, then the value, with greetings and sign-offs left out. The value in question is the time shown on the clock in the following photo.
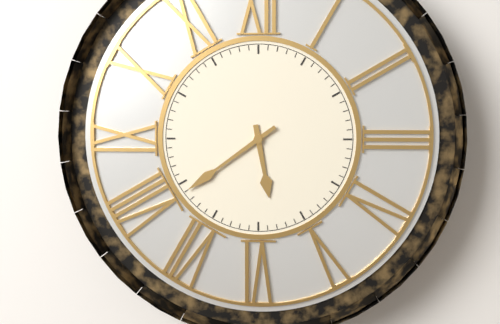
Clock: 5:39
